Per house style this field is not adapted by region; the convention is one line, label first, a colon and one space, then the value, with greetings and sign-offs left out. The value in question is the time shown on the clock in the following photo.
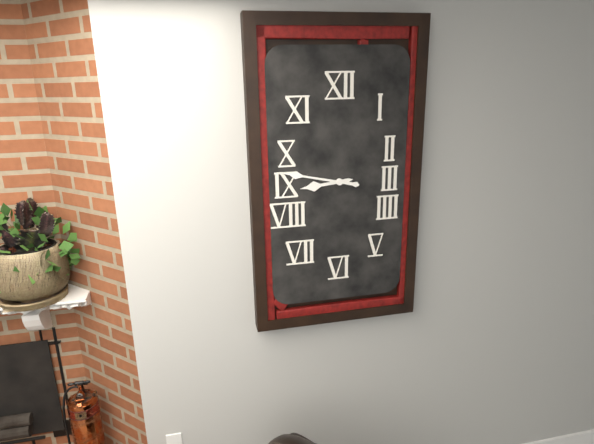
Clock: 8:47
